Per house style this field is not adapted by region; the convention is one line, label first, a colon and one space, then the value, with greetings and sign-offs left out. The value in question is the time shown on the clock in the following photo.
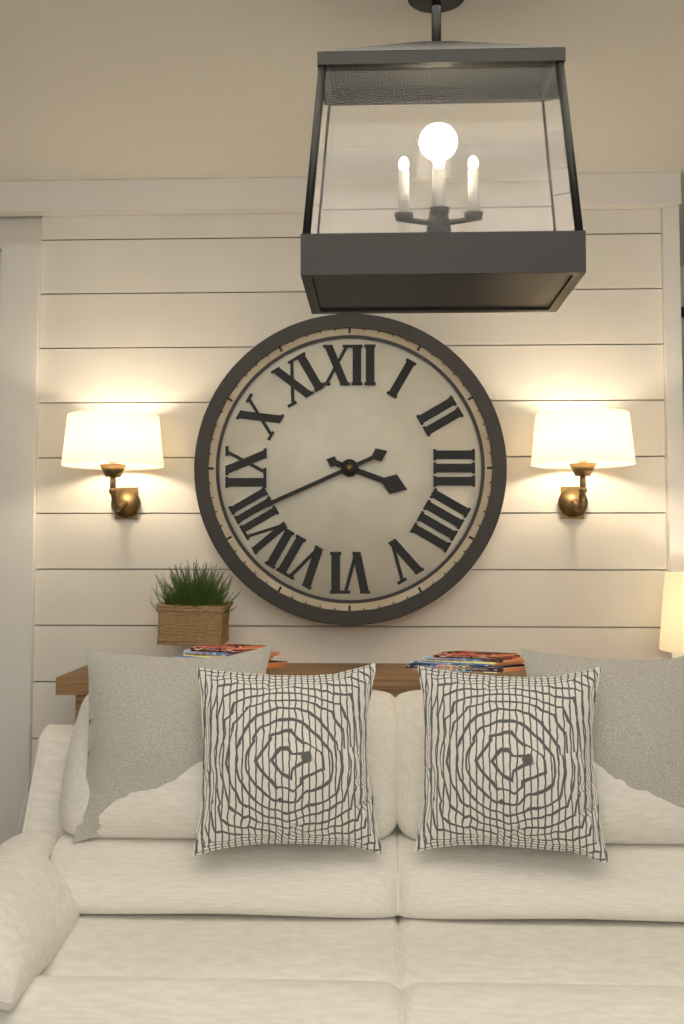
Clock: 3:41
